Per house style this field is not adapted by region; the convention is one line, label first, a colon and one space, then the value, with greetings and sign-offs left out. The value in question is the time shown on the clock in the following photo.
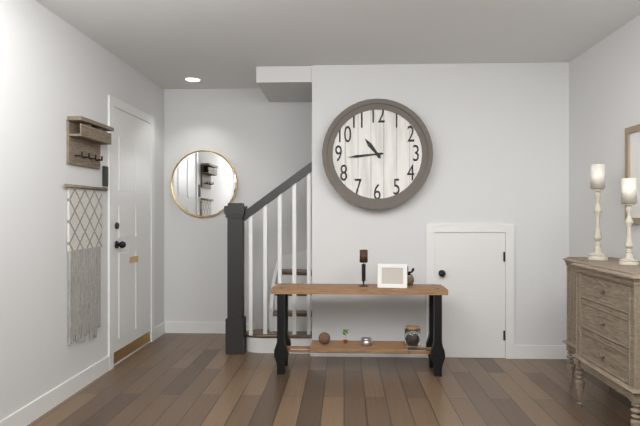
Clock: 10:44
